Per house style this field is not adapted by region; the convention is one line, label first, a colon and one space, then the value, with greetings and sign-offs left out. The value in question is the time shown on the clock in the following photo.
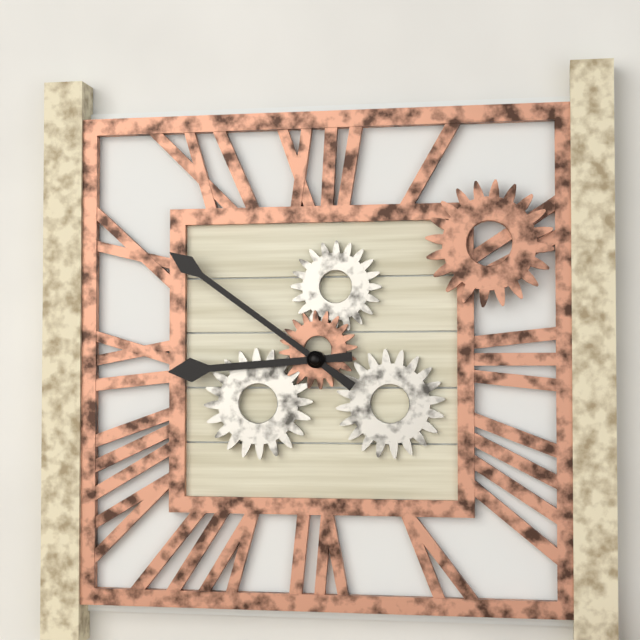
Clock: 8:51
